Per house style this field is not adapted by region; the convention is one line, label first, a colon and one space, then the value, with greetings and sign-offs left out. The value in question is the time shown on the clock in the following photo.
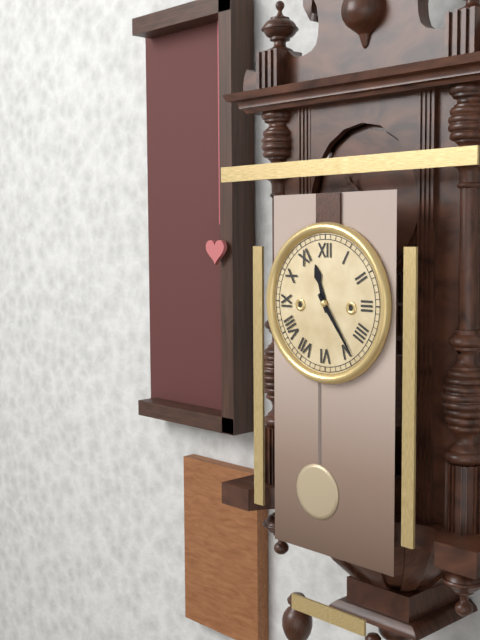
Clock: 11:24
